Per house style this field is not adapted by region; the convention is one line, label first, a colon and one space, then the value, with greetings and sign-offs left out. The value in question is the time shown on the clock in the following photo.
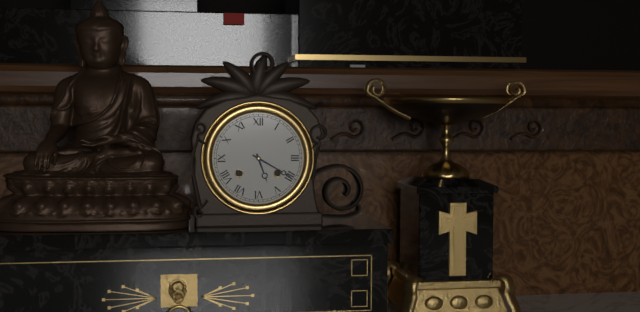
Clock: 5:20
